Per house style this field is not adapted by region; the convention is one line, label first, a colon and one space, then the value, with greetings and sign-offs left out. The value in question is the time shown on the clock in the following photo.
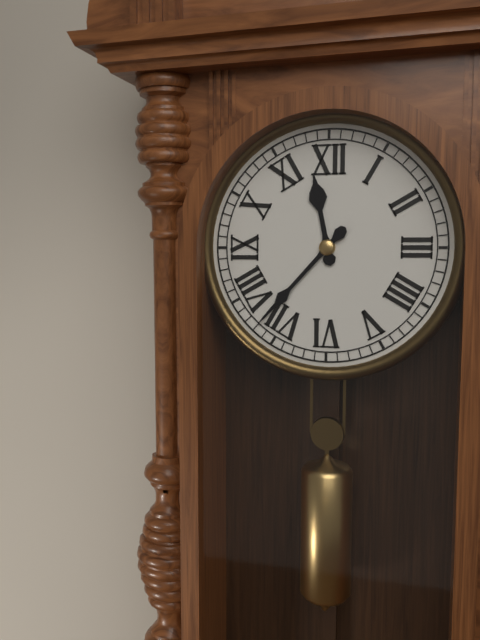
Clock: 11:37
